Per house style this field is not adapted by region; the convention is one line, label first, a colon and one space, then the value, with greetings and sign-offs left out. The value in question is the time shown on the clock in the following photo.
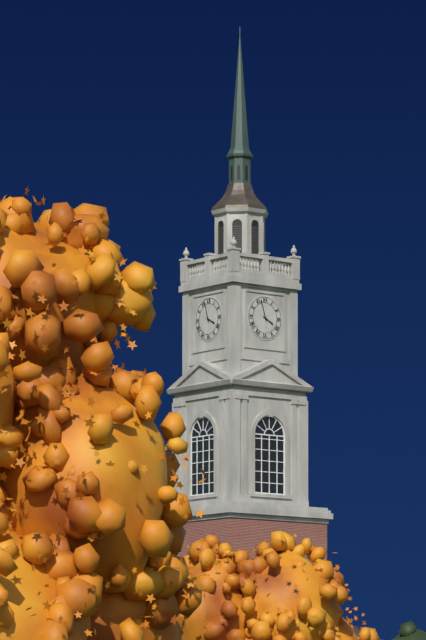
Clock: 3:57
